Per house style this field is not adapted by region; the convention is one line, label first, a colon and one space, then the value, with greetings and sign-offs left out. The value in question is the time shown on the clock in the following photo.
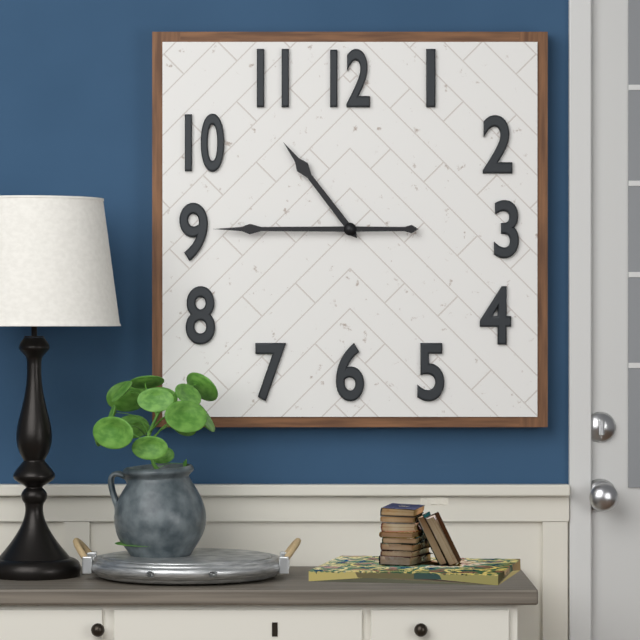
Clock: 10:45
